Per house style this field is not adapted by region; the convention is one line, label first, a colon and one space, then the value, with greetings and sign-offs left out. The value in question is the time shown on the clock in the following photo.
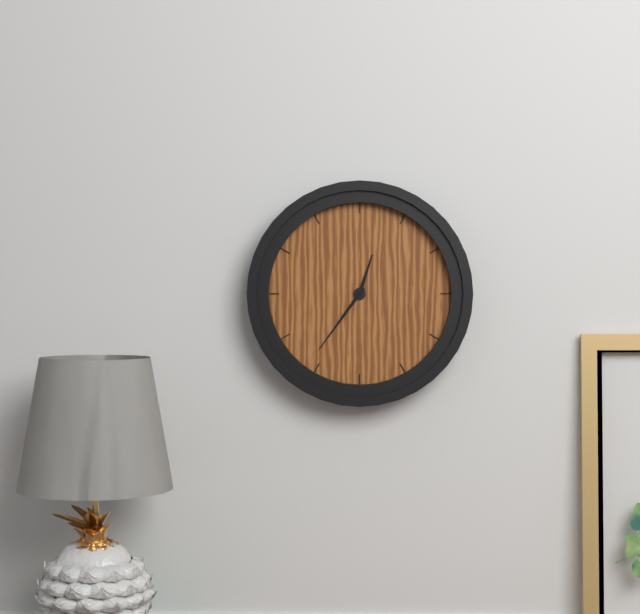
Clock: 12:36
